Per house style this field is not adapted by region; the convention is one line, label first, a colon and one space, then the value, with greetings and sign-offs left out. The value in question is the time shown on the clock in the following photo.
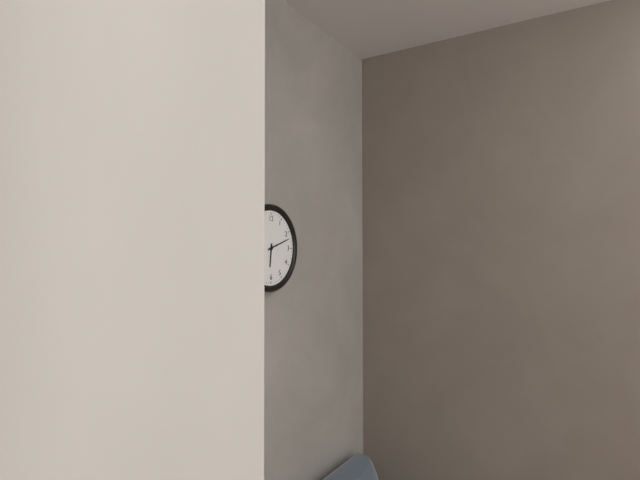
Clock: 6:12
